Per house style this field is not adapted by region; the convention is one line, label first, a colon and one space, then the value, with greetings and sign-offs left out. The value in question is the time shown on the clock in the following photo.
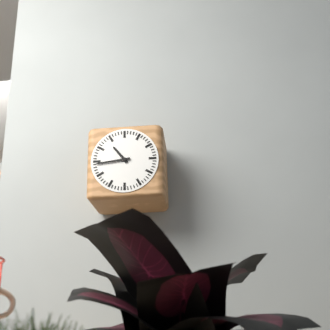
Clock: 10:44
